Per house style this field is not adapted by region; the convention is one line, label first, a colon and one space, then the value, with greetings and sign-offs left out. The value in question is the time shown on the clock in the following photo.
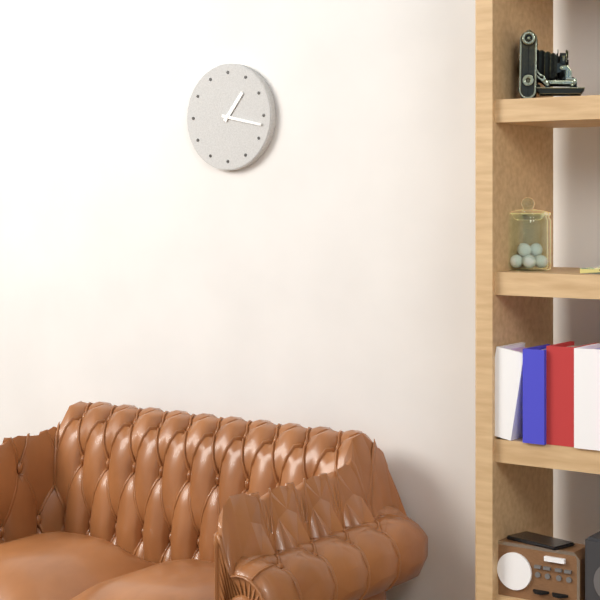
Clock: 1:17
